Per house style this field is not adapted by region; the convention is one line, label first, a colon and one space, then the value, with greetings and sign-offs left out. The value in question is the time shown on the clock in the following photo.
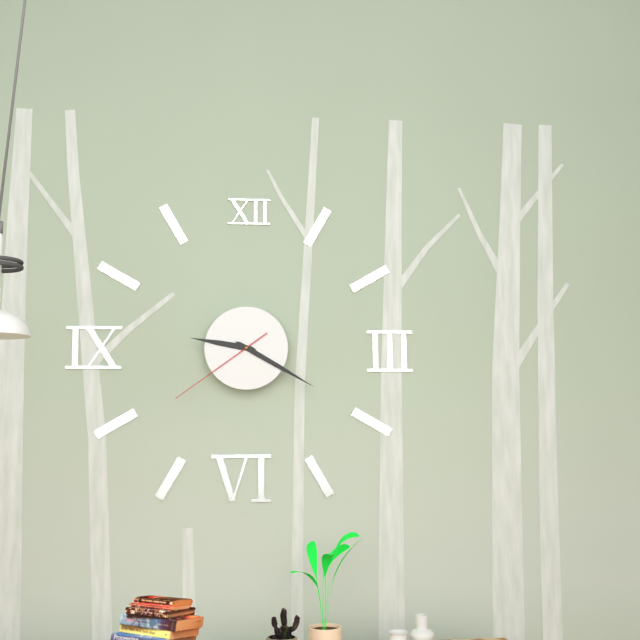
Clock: 9:20:39
